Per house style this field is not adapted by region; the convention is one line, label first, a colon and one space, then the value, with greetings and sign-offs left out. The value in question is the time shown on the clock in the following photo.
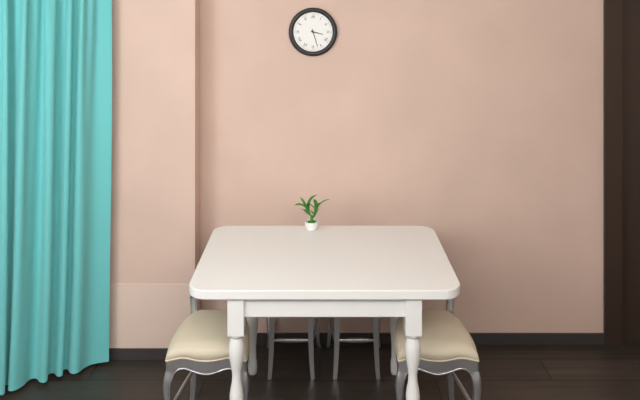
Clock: 3:27
